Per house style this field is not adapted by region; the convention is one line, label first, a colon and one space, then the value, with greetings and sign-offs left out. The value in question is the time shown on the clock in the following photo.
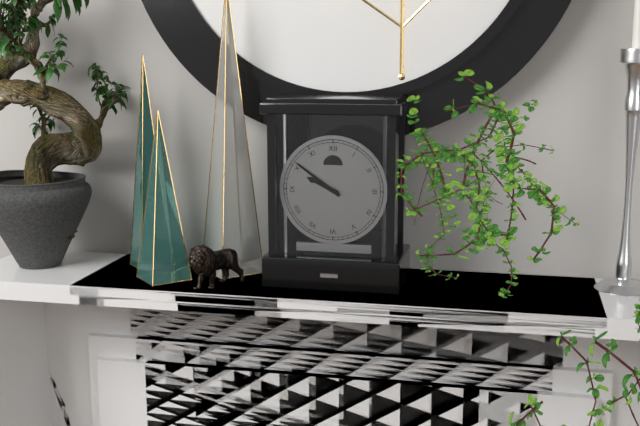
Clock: 9:51
